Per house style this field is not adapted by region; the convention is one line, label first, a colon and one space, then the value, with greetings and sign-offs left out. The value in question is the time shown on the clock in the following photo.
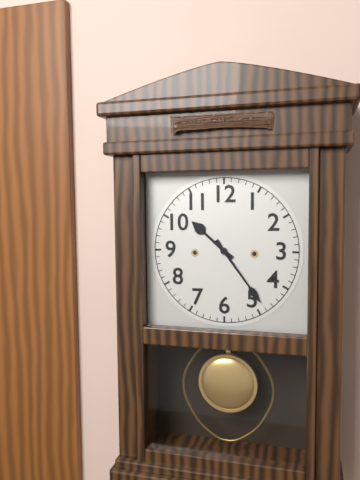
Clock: 10:24
